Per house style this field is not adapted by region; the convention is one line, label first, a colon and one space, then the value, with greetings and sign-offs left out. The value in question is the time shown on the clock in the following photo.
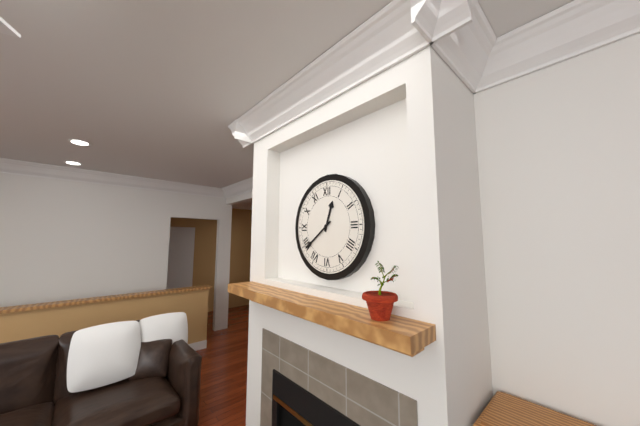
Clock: 12:39
